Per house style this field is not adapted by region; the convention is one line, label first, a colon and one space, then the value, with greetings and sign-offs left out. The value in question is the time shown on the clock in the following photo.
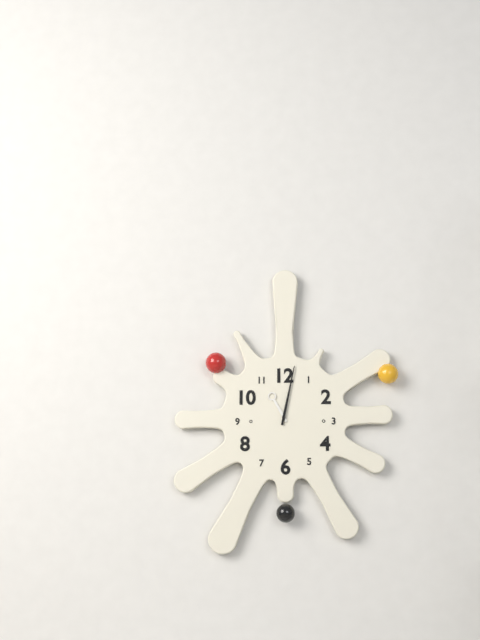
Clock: 11:02
